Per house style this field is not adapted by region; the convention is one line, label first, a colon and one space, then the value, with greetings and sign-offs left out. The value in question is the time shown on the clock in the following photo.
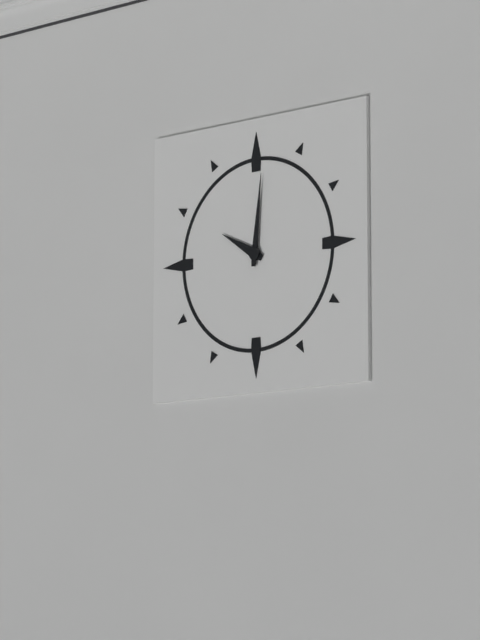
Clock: 10:01
